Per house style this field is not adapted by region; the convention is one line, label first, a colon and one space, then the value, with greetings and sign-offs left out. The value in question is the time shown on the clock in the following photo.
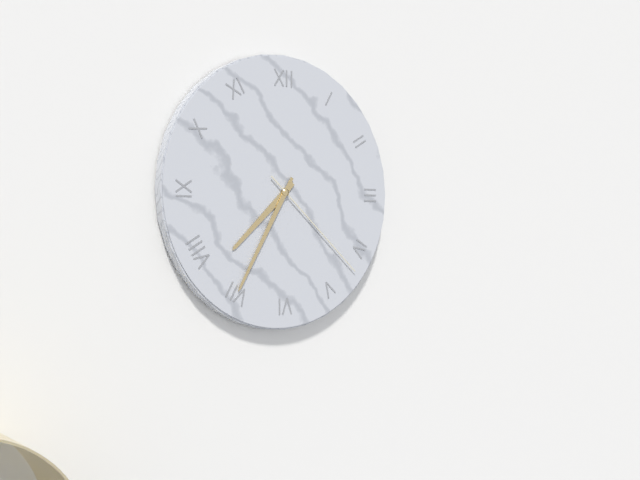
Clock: 7:35:22
